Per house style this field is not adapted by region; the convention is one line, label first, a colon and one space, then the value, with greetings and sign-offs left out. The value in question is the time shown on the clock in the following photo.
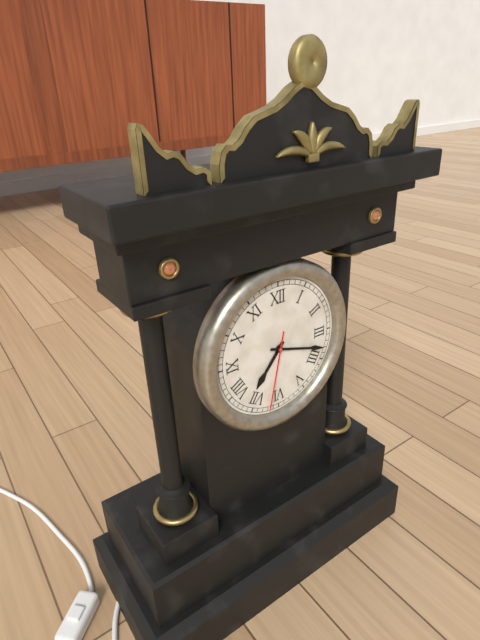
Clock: 7:18:32
